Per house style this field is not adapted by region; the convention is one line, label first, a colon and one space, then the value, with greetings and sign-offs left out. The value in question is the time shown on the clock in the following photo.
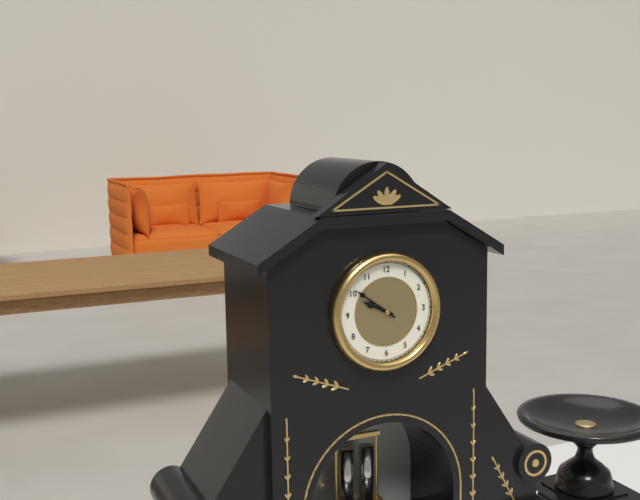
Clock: 9:51
